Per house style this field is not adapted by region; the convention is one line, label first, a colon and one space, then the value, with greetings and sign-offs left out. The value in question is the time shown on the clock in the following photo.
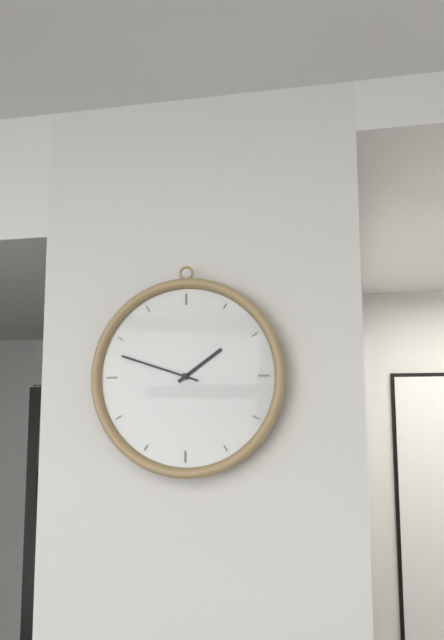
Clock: 1:48
